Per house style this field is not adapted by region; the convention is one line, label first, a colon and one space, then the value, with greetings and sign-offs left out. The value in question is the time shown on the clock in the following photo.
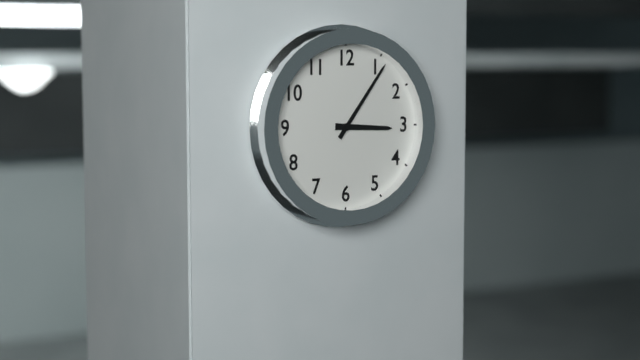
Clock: 3:06
